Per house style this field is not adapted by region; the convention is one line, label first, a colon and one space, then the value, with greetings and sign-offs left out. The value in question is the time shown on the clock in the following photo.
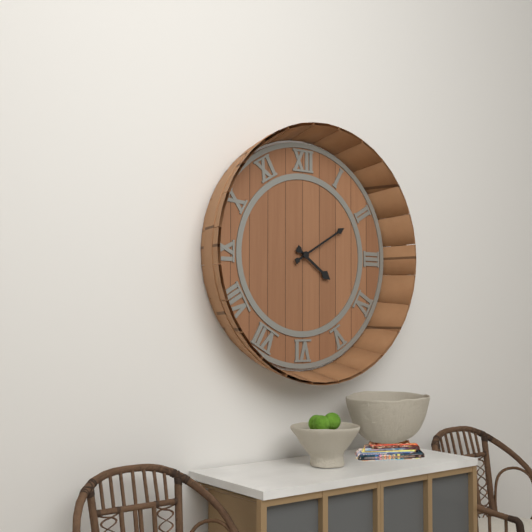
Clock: 4:10
